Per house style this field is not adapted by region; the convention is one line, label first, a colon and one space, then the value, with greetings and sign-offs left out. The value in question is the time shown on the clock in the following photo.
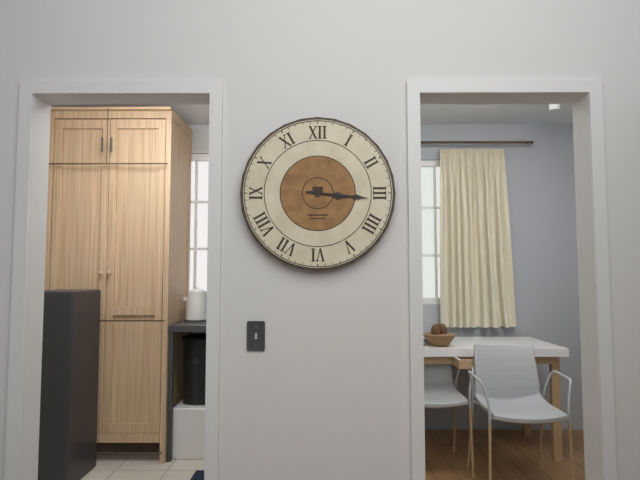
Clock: 3:16
